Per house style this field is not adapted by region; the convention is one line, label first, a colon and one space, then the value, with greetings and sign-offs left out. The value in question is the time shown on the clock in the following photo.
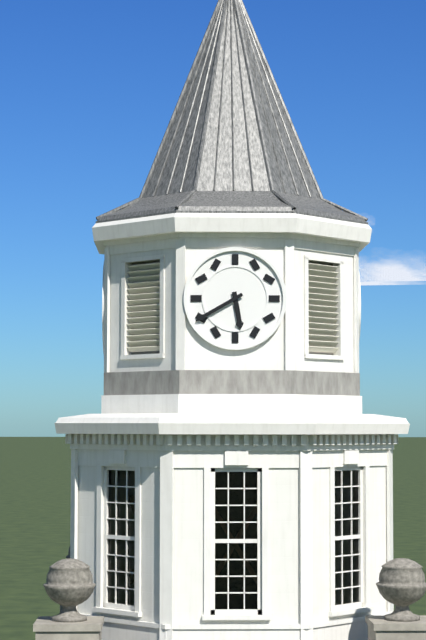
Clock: 5:40
